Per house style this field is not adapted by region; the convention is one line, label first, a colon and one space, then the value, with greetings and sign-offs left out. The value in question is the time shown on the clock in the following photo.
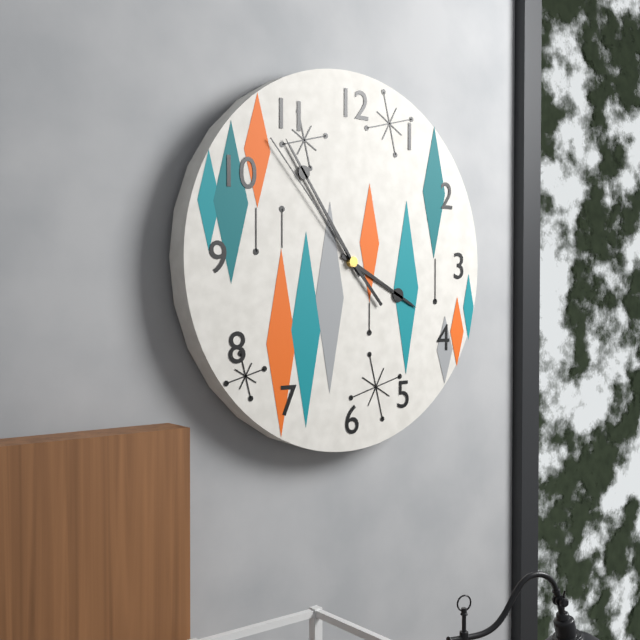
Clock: 3:54:53
